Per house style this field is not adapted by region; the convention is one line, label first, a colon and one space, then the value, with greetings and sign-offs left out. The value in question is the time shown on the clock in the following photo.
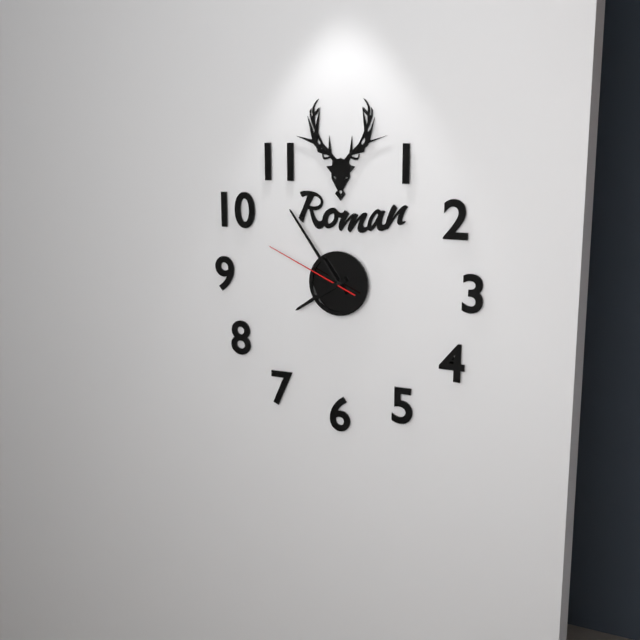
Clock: 7:54:49
